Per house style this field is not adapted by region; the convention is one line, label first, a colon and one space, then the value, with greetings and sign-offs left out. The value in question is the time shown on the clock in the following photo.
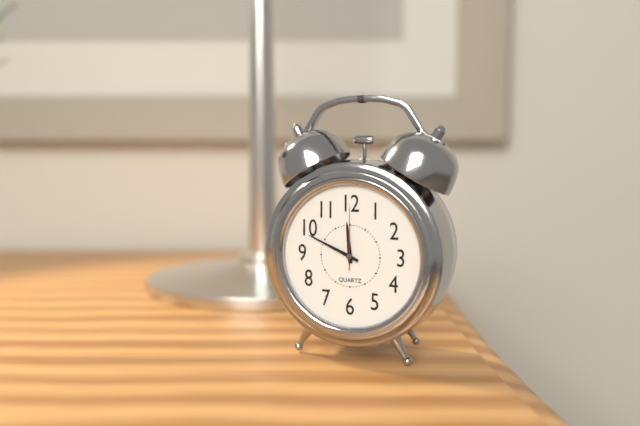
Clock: 11:49:00
